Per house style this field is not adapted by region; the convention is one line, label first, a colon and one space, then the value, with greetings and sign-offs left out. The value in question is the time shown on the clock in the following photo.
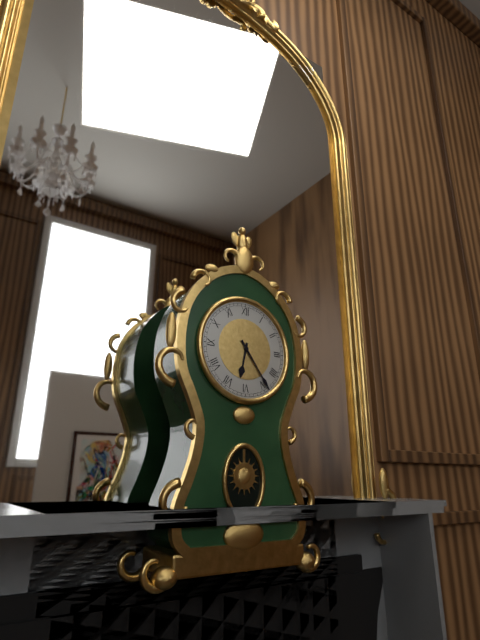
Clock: 6:24
